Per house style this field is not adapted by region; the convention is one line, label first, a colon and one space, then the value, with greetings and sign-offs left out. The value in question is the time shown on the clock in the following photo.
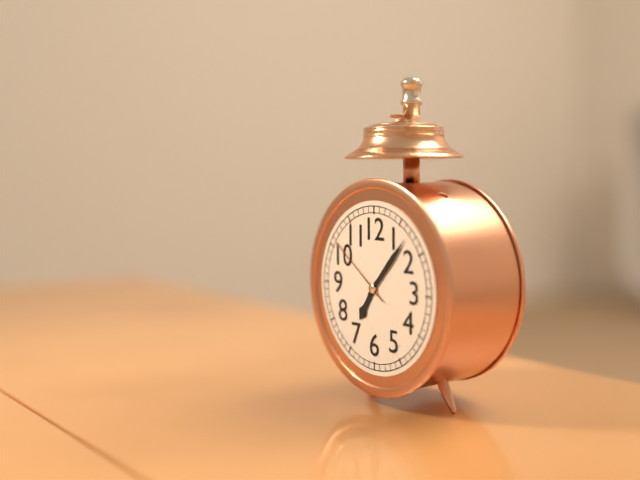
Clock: 7:07:51
